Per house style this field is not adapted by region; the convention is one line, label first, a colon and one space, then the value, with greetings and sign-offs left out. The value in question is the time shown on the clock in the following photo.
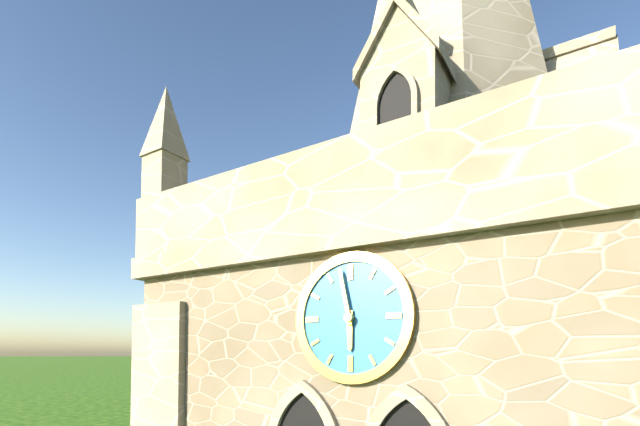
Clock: 5:58
